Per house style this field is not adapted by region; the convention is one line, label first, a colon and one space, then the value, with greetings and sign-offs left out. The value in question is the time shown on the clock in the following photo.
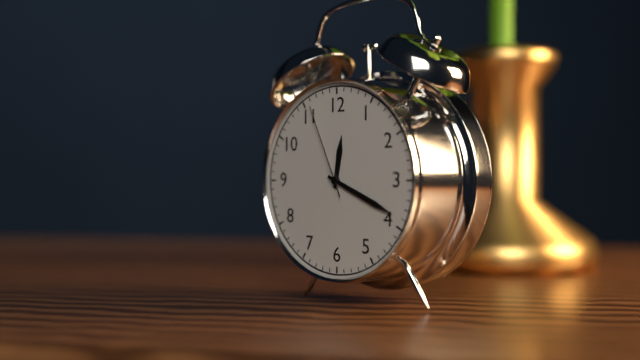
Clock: 12:19:56
